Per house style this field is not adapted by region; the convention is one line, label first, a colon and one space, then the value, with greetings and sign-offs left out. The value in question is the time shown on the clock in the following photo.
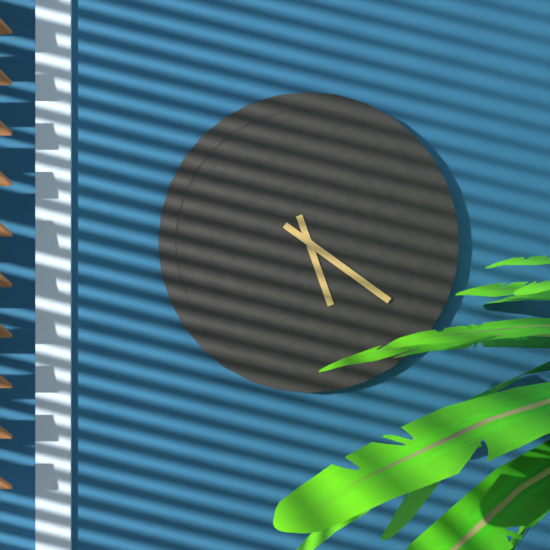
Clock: 5:21
